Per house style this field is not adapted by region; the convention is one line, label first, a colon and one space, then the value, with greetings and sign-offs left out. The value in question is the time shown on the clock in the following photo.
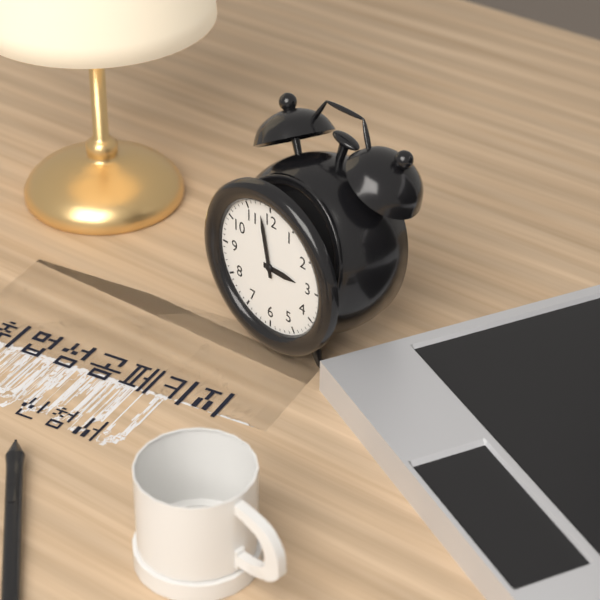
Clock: 2:58
